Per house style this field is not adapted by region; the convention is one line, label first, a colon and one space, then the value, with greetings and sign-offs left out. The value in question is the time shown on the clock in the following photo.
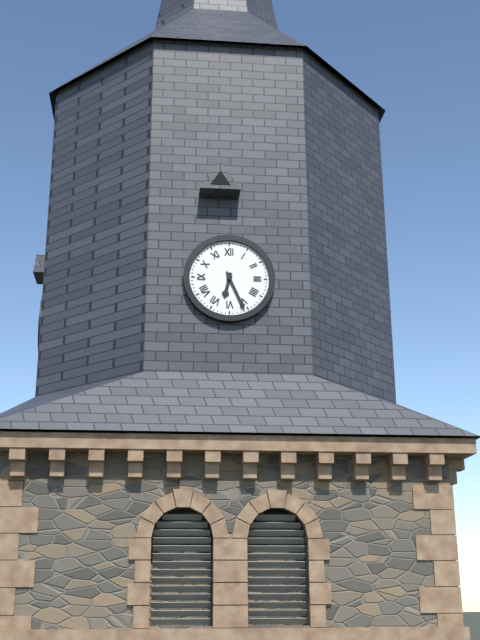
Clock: 6:26
